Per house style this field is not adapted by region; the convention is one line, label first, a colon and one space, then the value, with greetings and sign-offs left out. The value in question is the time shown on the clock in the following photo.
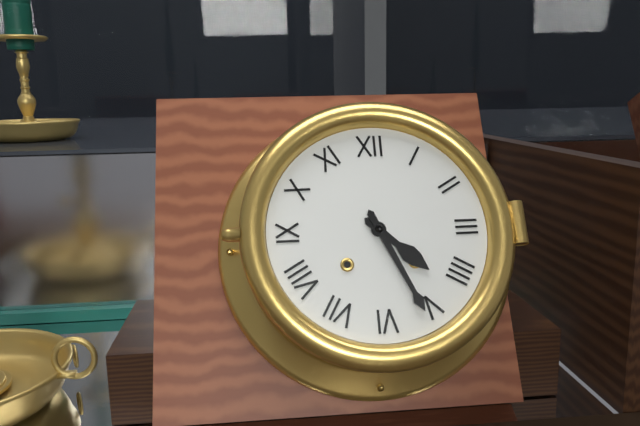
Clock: 4:26
